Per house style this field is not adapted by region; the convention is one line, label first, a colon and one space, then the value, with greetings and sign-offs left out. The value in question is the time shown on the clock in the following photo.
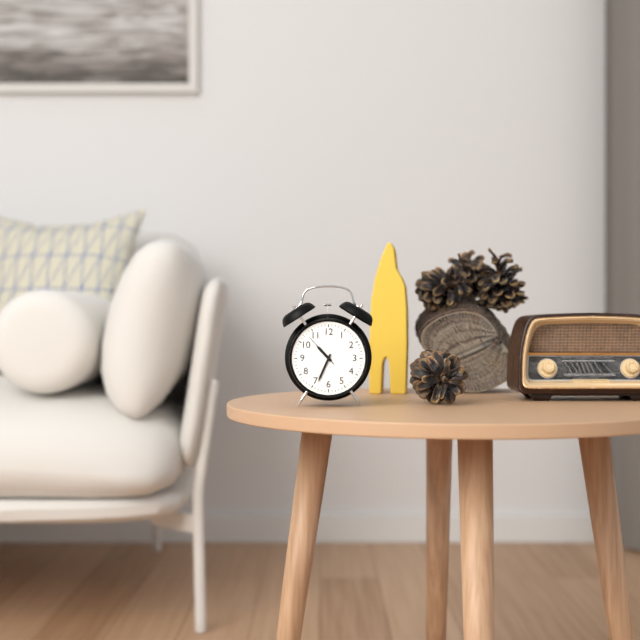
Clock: 10:34
